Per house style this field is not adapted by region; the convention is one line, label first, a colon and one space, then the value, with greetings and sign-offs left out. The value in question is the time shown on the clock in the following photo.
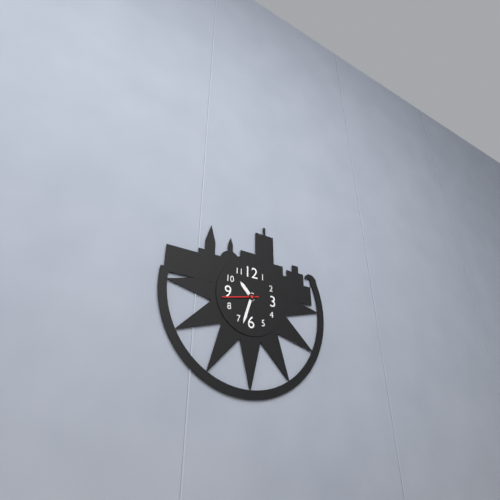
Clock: 10:33
